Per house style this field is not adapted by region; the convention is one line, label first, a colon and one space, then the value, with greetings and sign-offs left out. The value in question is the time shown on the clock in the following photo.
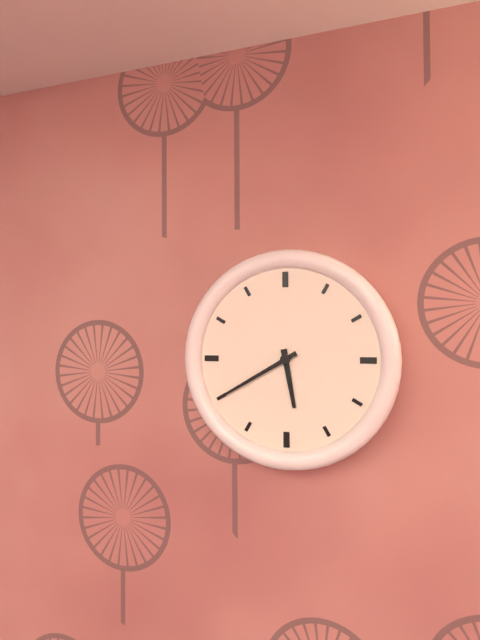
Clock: 5:40
